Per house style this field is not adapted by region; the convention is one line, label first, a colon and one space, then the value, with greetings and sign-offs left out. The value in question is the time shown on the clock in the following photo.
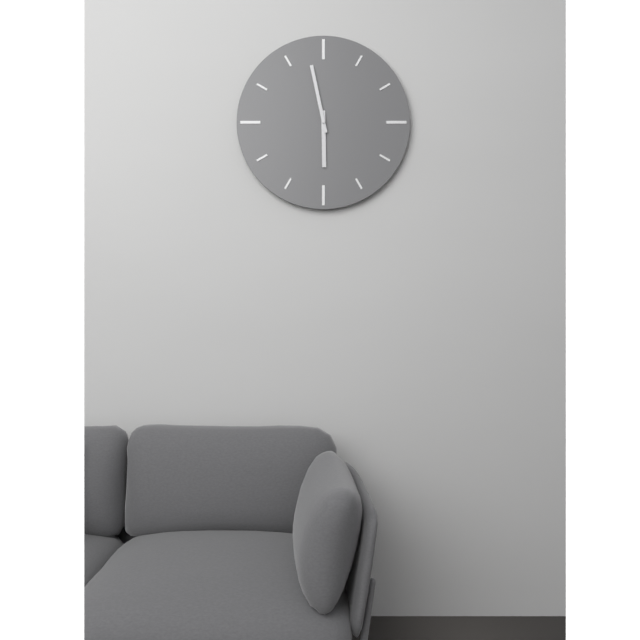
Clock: 5:58
